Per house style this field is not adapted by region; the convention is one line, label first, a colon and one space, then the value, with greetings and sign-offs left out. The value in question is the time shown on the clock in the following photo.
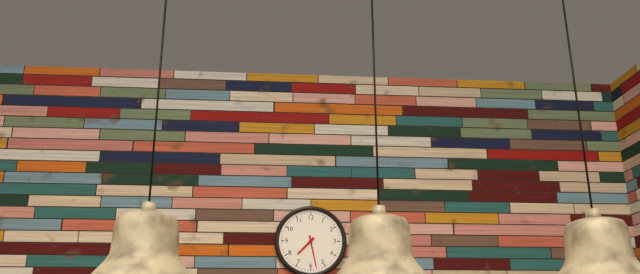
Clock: 7:28
